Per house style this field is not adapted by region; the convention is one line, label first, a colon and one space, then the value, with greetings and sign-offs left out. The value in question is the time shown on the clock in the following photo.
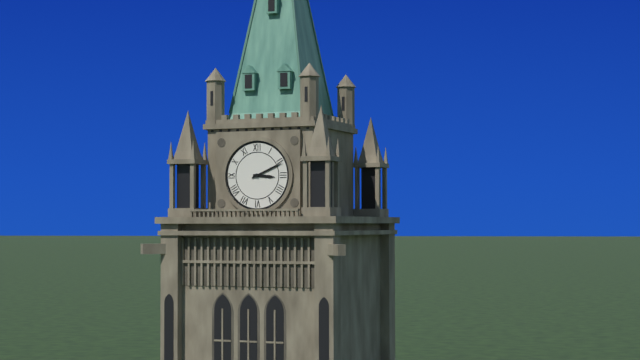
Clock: 3:11
